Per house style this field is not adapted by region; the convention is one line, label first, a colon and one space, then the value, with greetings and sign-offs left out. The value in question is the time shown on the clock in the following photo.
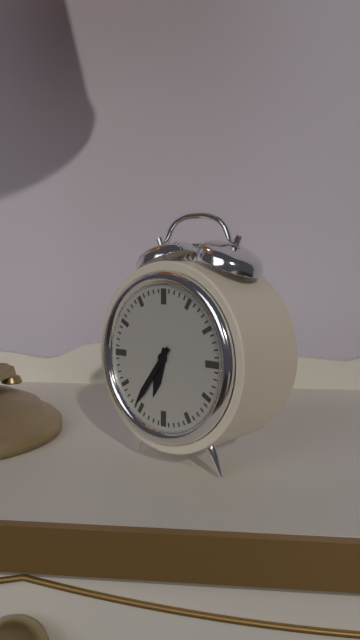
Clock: 6:36
